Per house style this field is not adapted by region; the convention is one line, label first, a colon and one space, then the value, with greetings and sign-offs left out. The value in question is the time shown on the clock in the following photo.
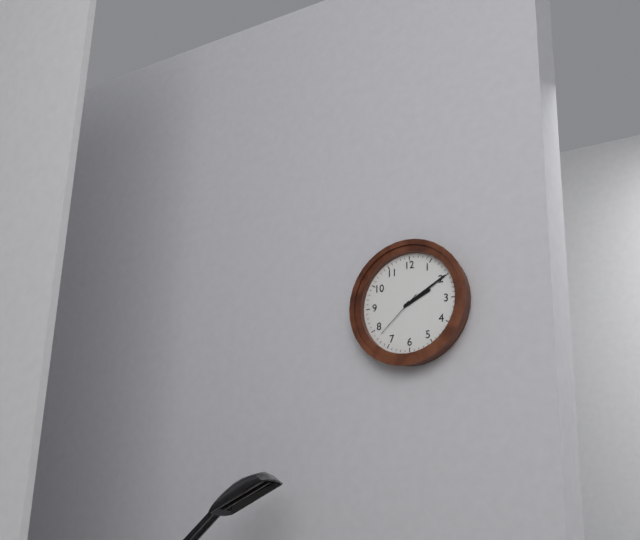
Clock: 2:10:38
